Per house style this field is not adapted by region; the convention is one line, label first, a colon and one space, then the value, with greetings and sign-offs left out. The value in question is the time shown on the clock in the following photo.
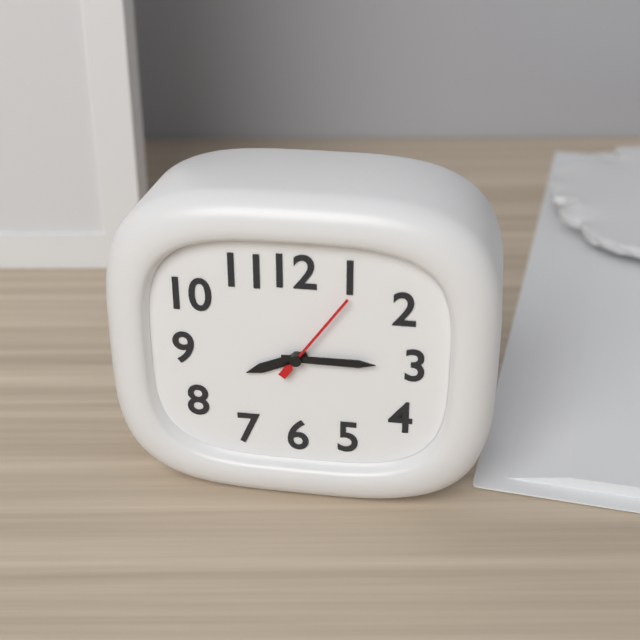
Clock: 8:15:06
